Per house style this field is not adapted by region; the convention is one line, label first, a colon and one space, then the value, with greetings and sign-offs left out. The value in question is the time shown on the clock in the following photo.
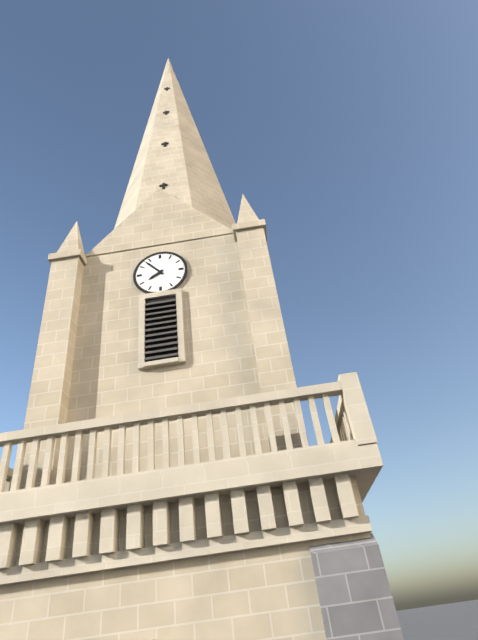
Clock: 7:53
